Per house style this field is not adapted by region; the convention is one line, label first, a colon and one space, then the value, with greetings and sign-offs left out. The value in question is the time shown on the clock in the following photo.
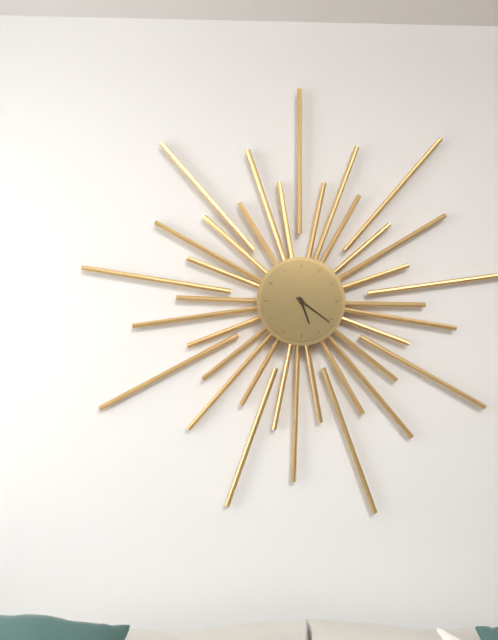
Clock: 5:21
